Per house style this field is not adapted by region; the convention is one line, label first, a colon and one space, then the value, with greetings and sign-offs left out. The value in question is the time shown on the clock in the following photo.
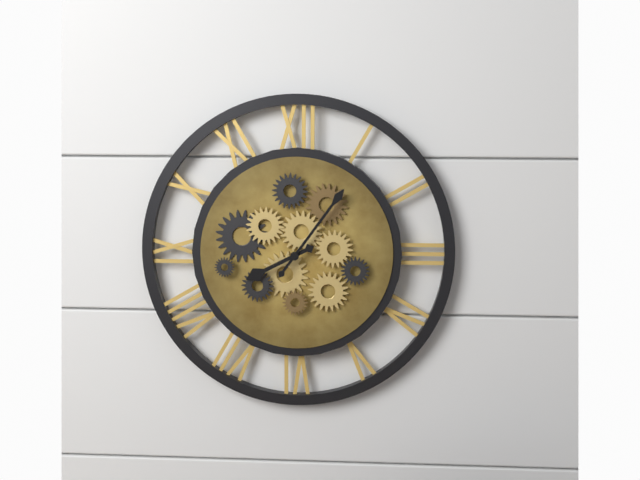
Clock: 8:06
